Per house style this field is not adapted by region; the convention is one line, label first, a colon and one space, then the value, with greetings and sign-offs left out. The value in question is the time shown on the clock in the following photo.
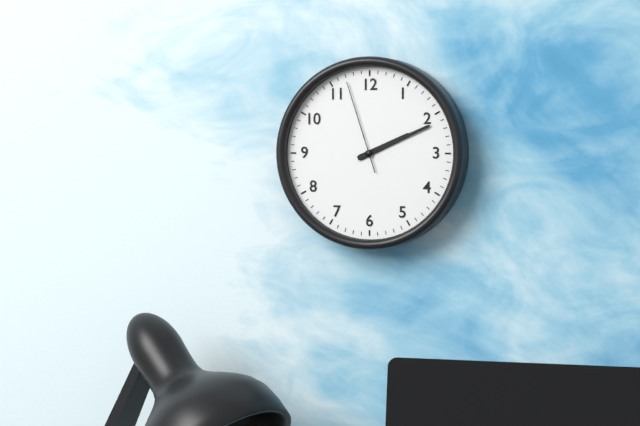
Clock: 2:11:57
